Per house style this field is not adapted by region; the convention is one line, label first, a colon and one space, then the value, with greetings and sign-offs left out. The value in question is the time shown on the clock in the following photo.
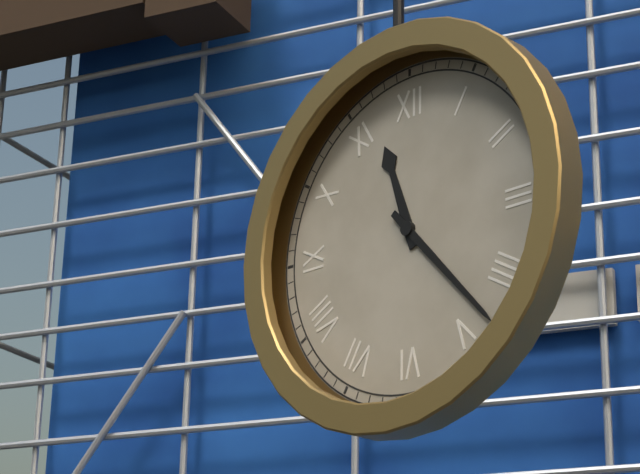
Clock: 11:23
